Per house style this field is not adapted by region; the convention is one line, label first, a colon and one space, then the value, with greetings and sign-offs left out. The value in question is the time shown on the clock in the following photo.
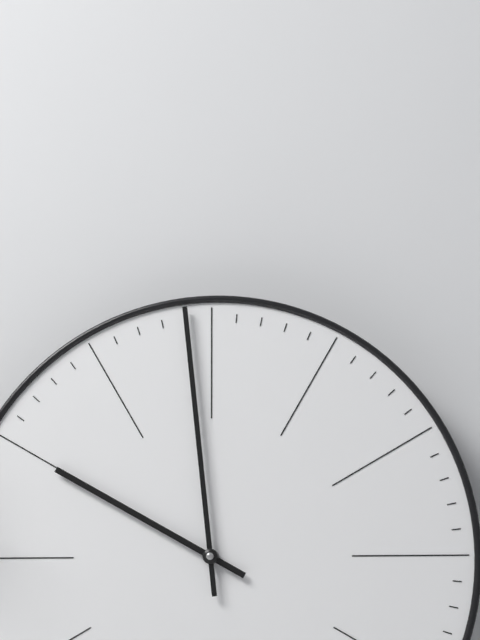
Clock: 9:59
